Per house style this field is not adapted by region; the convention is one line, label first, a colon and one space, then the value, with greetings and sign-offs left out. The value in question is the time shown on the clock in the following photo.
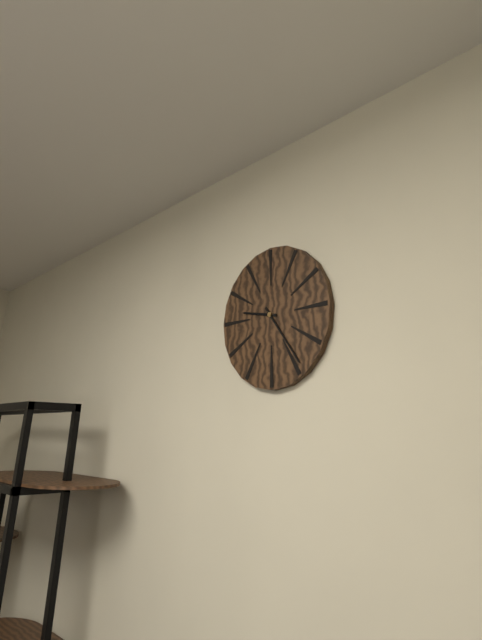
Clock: 9:24
